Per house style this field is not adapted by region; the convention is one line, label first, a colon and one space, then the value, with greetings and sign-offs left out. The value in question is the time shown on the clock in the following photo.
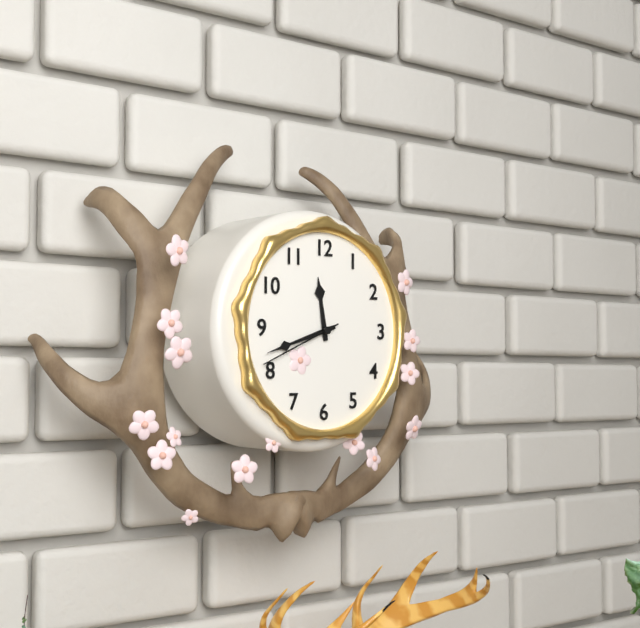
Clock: 11:42:41
